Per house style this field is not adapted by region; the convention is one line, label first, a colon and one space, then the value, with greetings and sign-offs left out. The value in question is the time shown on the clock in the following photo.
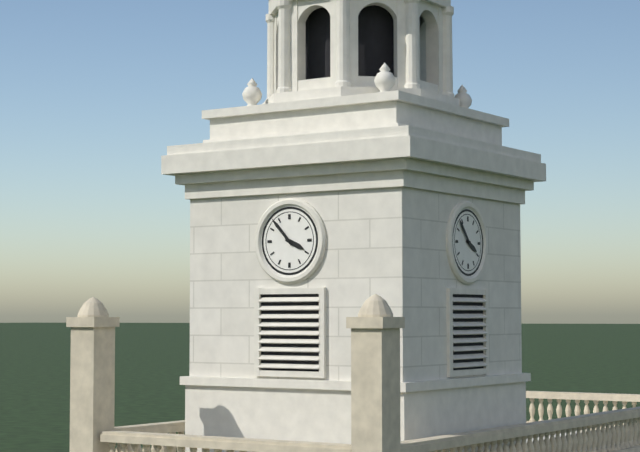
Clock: 3:53
